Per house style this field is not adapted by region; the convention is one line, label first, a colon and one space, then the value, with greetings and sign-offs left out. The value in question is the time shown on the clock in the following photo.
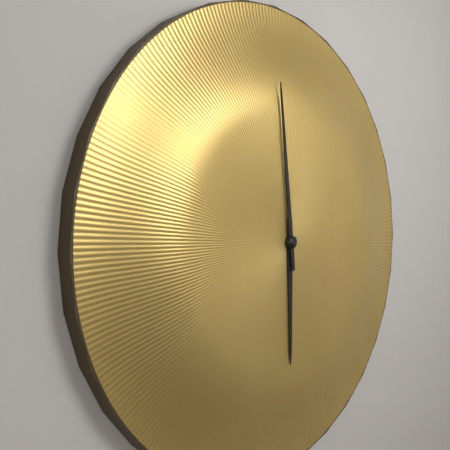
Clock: 5:59
